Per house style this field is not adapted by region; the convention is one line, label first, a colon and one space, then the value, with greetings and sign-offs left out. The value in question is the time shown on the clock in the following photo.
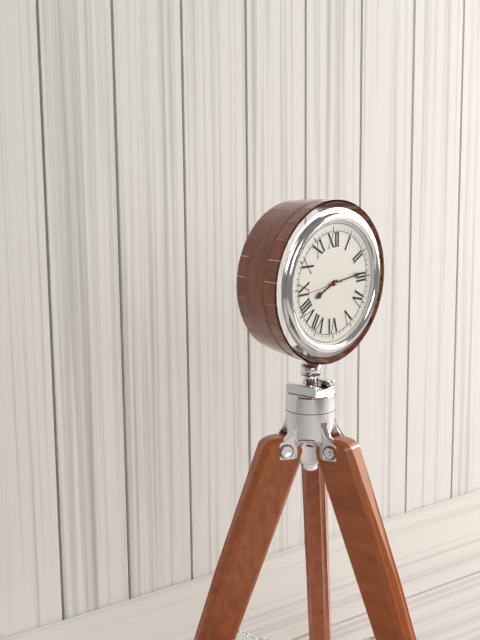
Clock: 8:14
